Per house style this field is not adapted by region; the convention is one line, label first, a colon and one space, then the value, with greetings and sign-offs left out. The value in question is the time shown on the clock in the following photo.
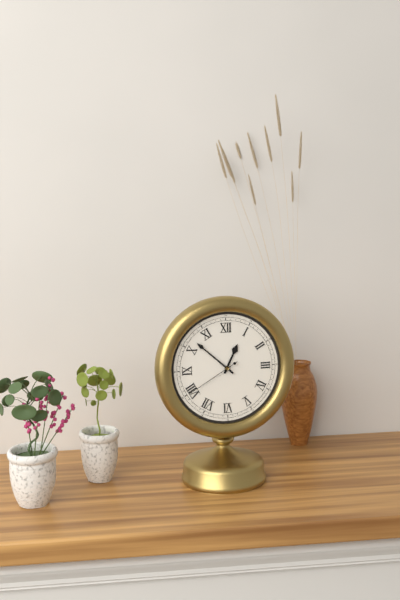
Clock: 12:52:40
